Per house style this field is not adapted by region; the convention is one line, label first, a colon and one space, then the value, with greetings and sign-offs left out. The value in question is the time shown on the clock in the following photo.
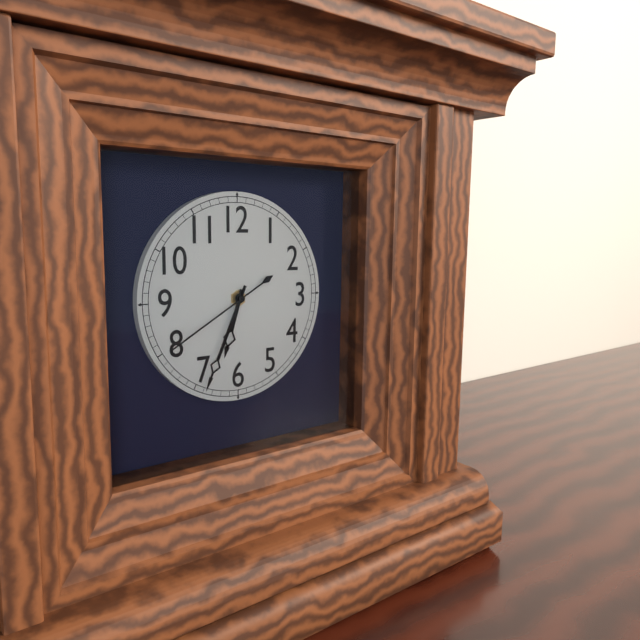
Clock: 6:34:40
